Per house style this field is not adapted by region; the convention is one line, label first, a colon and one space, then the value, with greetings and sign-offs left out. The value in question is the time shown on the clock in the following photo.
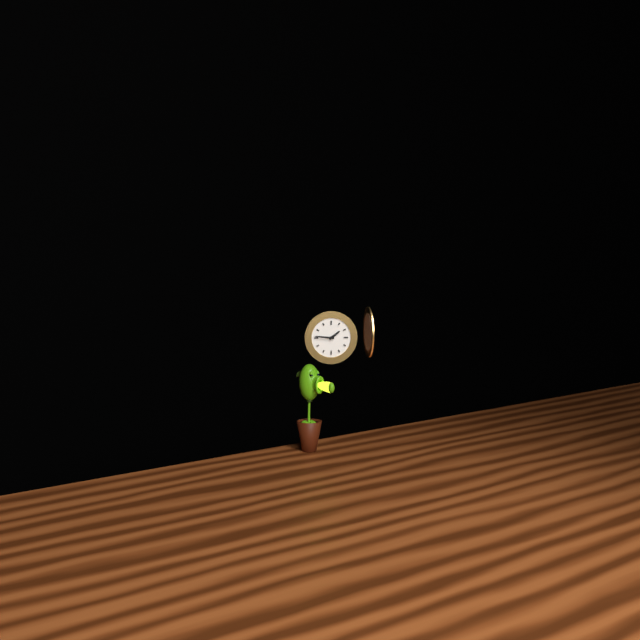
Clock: 1:46
